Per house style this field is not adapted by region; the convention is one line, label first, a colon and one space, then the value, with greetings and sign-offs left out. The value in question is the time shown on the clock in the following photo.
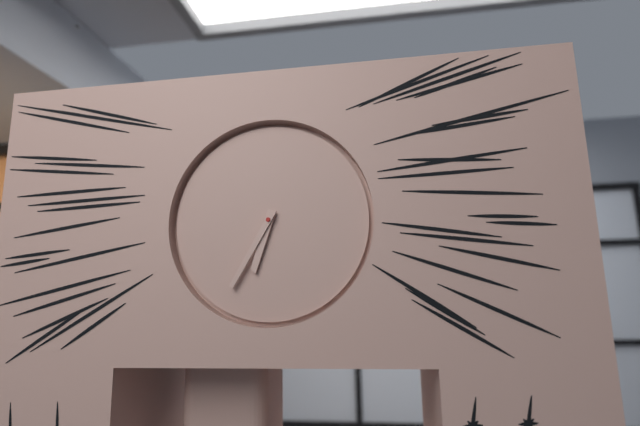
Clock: 6:35
